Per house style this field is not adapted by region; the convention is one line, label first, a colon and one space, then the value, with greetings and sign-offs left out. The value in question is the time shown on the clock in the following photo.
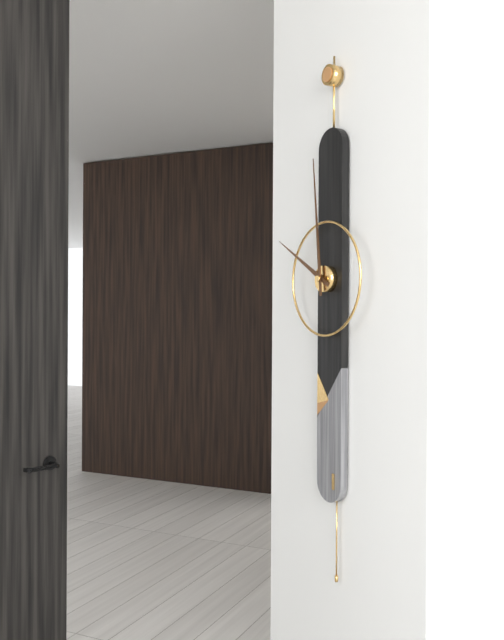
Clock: 9:59
